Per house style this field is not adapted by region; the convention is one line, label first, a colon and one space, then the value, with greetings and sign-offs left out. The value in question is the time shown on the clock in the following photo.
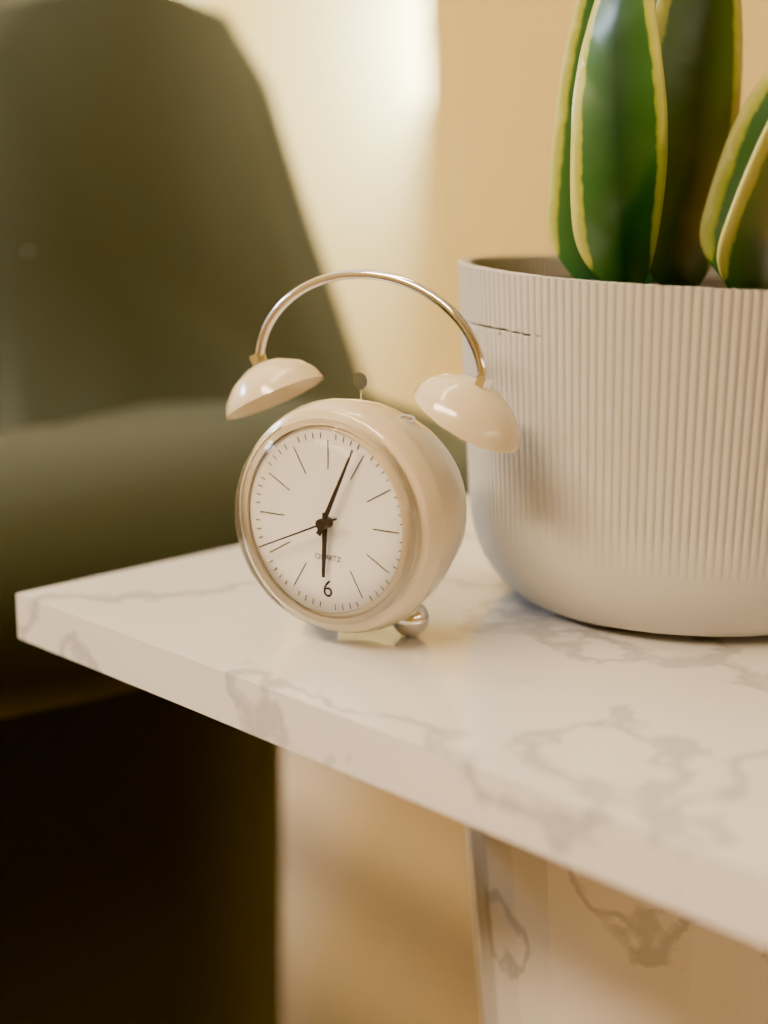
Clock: 6:04:41
